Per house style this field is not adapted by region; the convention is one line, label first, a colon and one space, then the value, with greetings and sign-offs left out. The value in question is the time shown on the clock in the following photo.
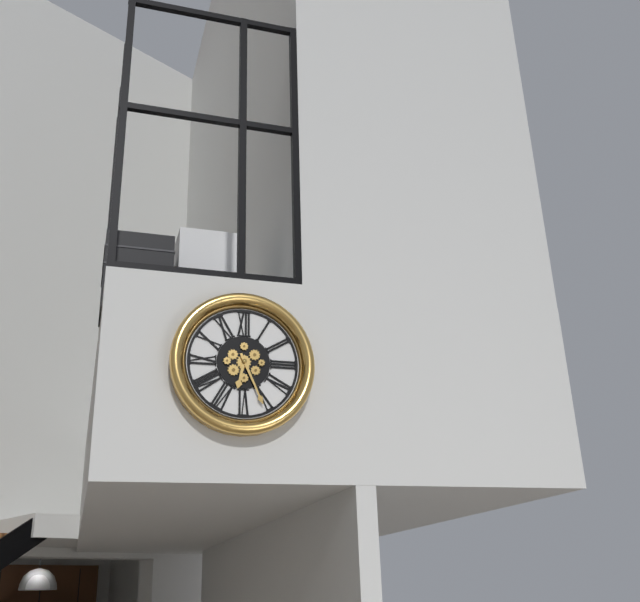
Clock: 6:26
